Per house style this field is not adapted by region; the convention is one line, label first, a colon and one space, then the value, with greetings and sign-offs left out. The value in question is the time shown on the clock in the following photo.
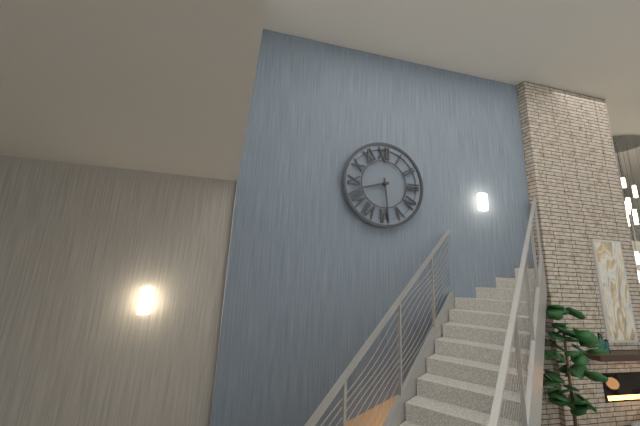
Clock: 8:29
